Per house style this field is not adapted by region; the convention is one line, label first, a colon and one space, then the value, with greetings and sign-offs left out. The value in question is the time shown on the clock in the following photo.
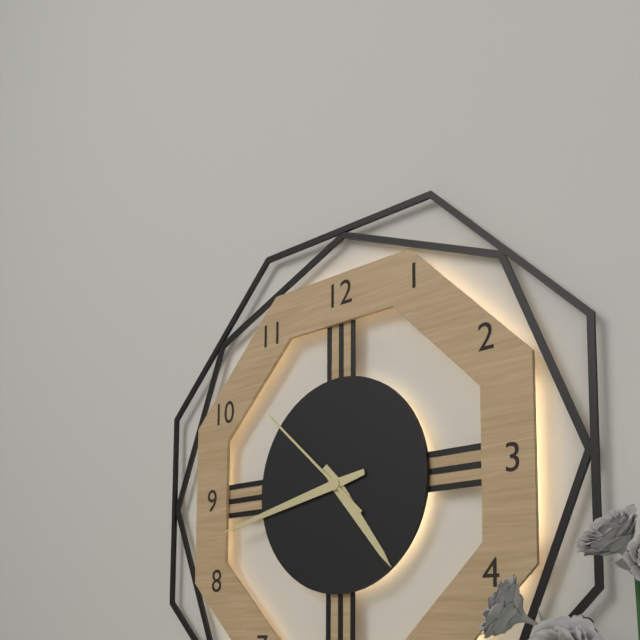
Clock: 4:43:52
